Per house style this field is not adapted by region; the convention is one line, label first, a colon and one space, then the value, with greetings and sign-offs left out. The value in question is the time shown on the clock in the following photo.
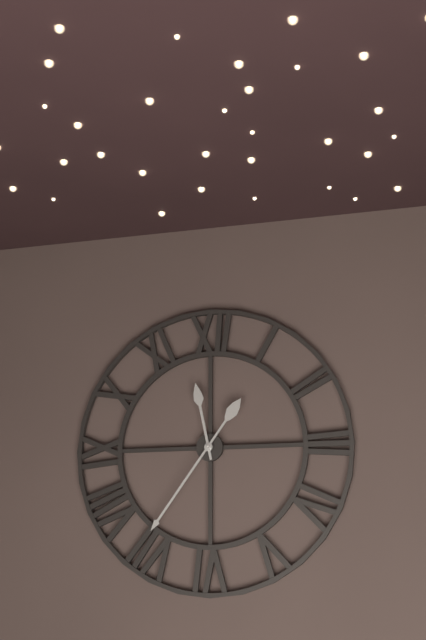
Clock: 11:36
